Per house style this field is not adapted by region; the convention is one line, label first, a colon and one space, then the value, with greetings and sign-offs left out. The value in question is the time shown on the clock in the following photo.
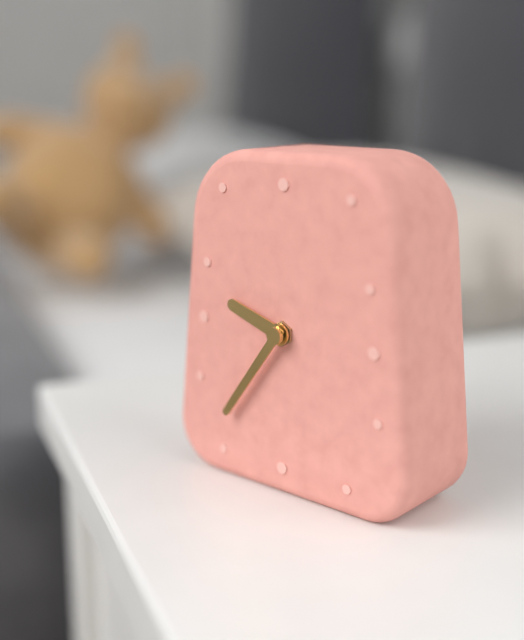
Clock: 9:36
